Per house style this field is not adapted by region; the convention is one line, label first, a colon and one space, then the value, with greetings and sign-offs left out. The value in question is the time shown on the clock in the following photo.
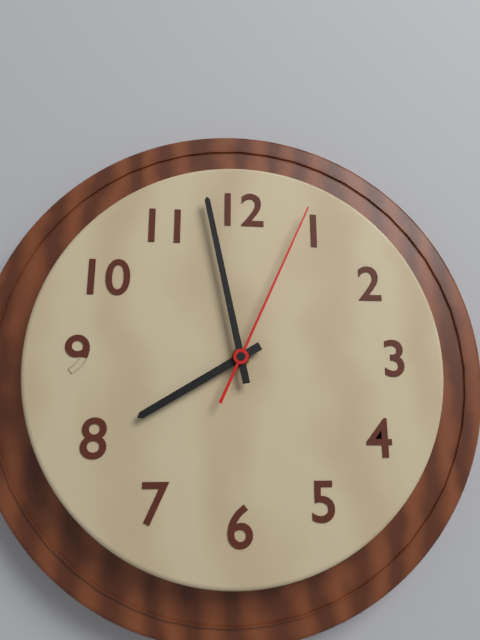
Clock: 7:58:04
